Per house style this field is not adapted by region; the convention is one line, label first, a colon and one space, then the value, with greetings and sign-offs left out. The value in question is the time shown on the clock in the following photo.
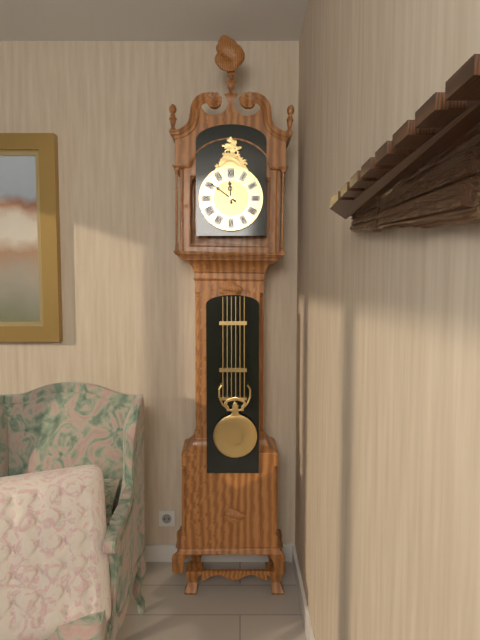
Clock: 11:51
